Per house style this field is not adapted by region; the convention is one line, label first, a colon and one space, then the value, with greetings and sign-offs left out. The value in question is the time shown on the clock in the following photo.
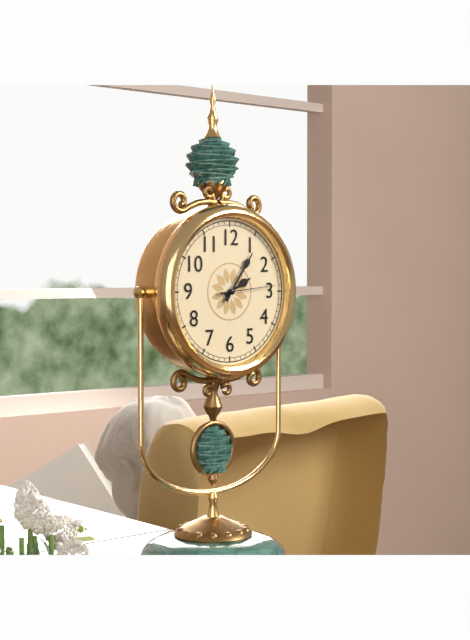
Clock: 2:06:14
